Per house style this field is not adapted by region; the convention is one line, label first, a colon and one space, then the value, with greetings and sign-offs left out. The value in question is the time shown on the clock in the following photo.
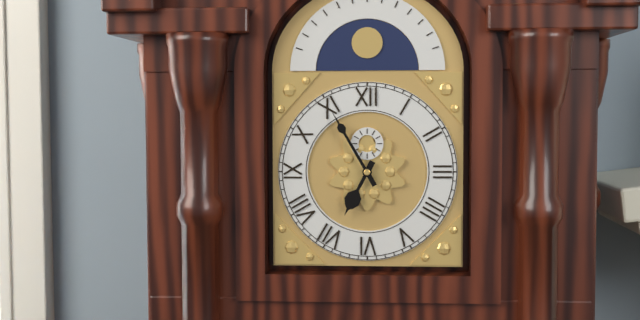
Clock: 6:55
